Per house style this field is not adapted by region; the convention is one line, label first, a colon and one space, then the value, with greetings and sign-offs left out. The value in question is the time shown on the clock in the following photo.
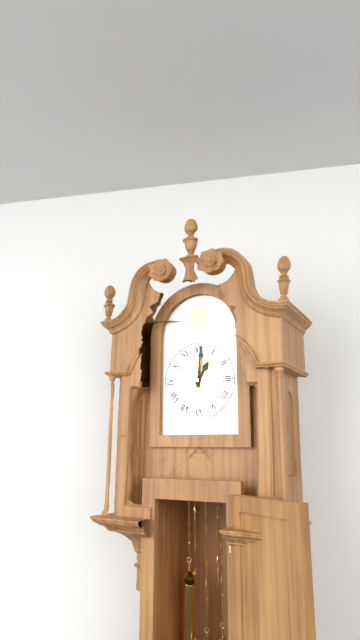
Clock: 1:01
